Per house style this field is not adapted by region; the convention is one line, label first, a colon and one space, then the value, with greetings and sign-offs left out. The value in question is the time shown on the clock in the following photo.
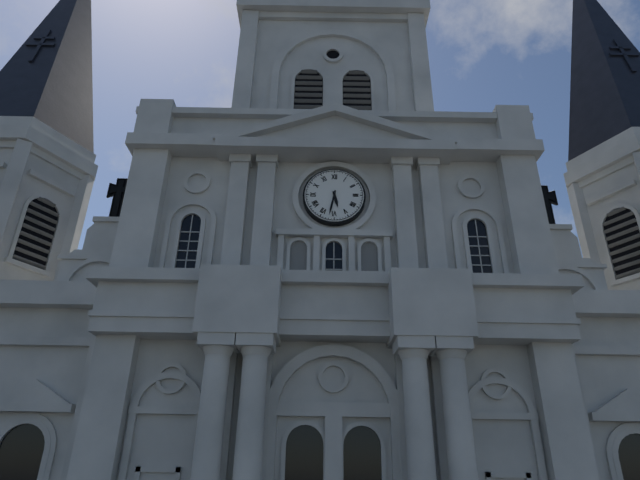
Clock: 5:32
